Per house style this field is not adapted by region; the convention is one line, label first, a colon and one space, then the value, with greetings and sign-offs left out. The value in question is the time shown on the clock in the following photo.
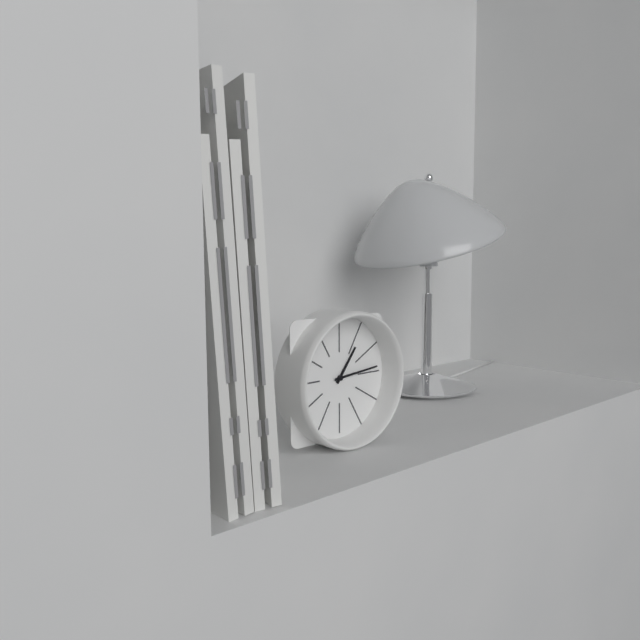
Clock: 1:14
